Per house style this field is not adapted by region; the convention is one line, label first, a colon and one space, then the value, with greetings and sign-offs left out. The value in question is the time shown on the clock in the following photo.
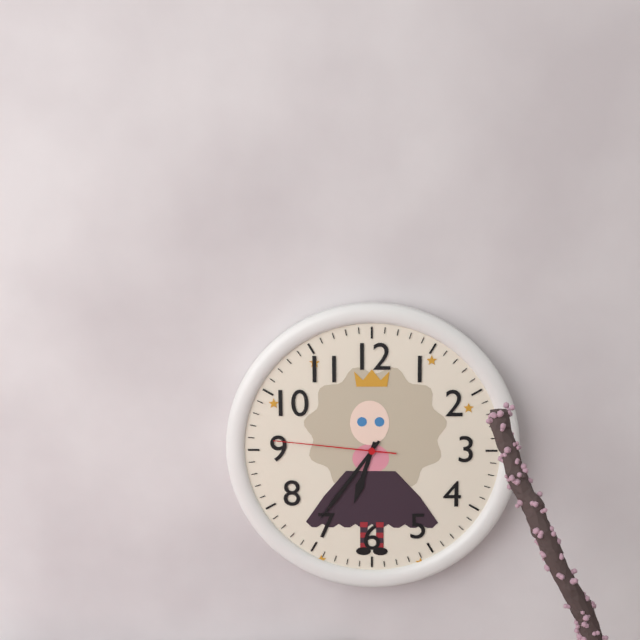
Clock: 6:36:46
